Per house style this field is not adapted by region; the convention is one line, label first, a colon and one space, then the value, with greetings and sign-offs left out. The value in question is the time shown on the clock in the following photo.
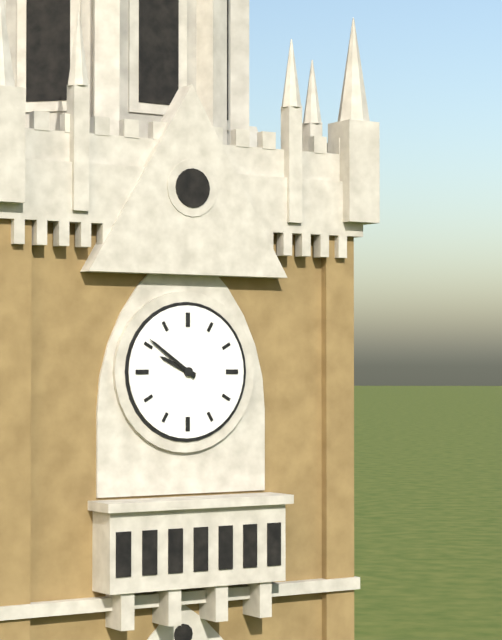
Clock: 9:51
